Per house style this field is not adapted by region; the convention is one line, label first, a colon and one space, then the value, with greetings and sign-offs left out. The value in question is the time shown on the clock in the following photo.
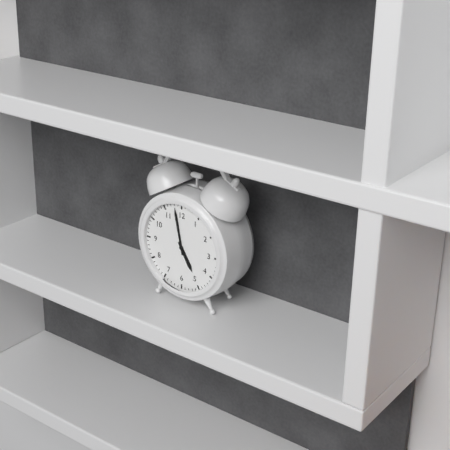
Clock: 4:58
